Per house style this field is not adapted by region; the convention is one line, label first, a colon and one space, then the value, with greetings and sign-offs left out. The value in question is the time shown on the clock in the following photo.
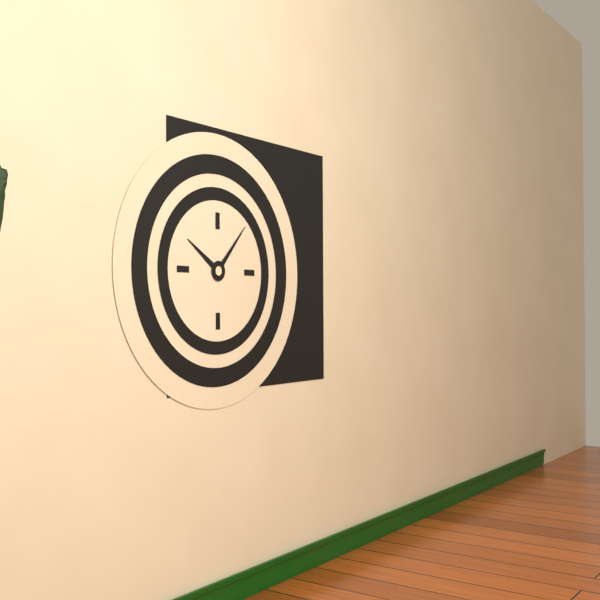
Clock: 10:07
